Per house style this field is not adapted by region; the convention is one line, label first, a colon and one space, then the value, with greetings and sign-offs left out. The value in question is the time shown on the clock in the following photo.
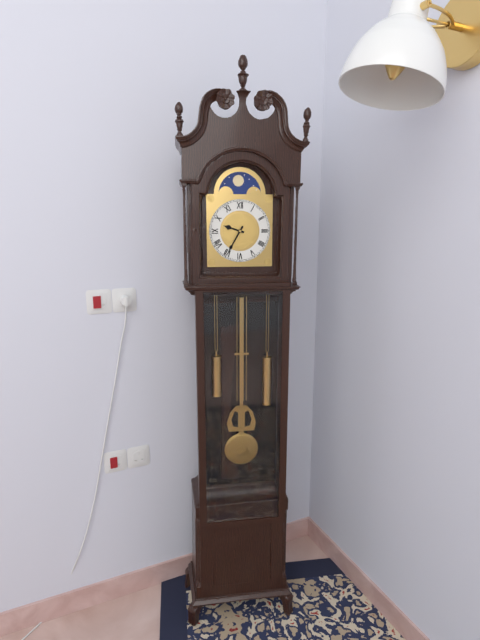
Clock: 9:35
